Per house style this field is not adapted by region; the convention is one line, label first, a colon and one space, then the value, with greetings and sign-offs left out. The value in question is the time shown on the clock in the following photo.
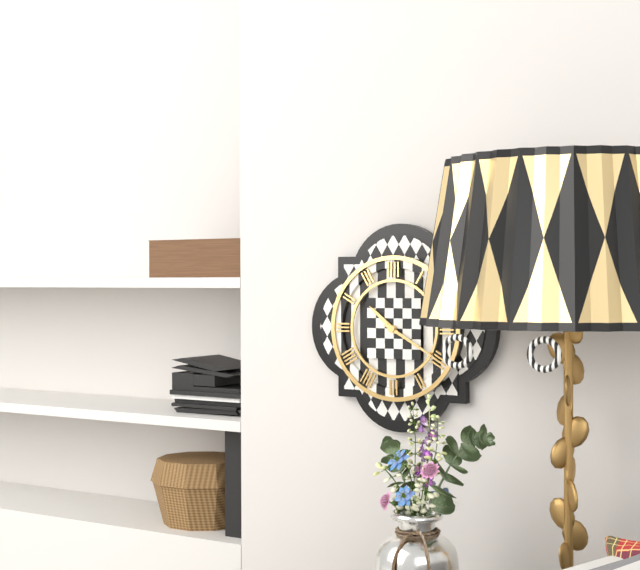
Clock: 10:20
